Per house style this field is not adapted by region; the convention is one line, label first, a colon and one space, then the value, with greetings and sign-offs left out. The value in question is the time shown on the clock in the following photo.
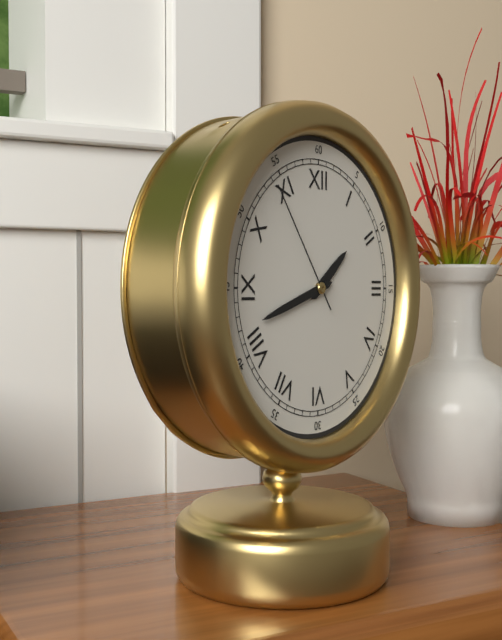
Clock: 1:42:54
